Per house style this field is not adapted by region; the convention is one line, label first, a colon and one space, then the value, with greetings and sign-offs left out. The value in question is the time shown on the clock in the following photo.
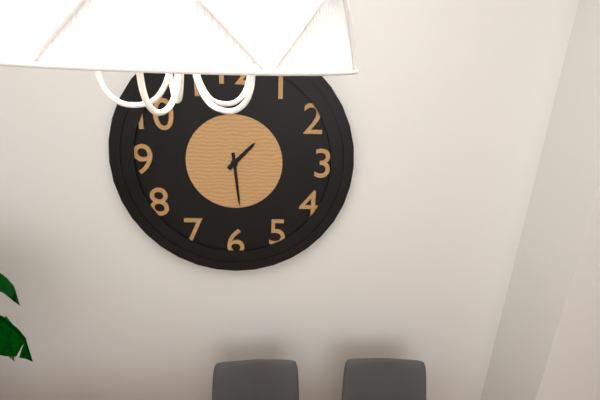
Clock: 1:29
